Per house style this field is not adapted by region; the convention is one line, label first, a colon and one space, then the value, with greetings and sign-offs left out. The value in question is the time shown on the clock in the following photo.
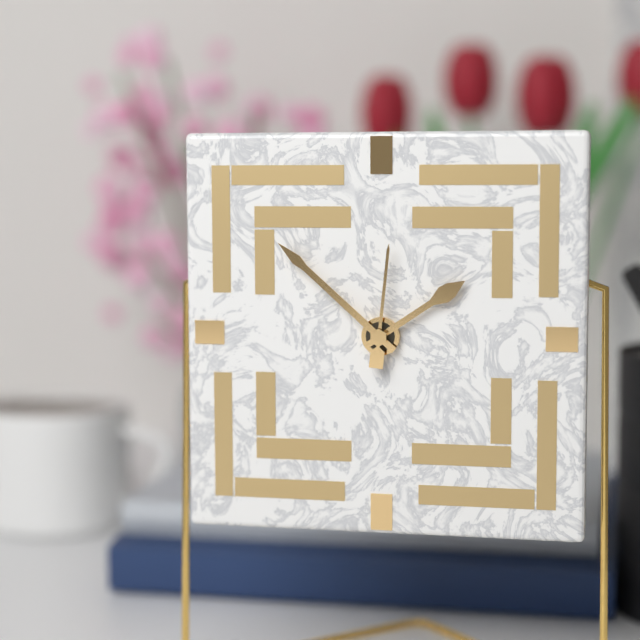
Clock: 1:52:01
